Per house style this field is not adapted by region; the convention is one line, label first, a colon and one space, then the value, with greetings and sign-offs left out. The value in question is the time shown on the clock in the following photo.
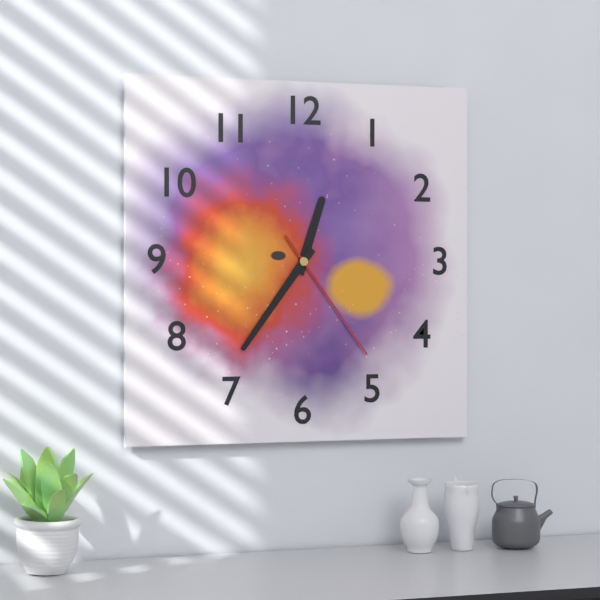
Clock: 12:36:24
